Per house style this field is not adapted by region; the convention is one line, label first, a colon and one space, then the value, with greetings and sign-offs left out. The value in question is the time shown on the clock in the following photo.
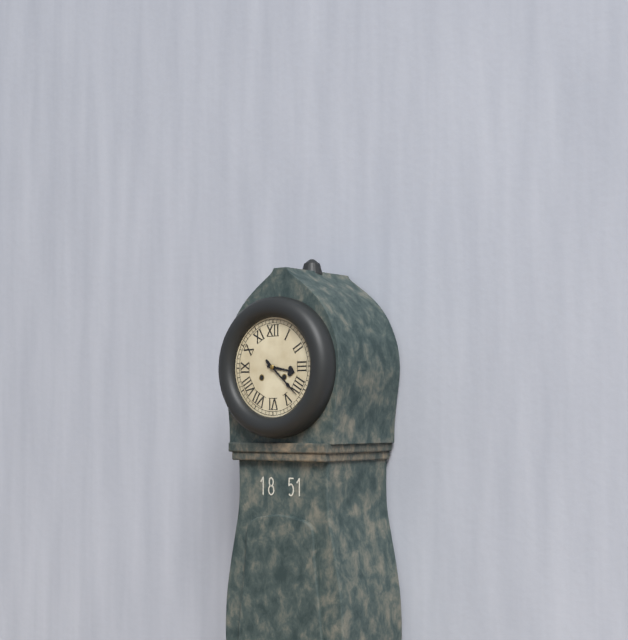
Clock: 3:22
